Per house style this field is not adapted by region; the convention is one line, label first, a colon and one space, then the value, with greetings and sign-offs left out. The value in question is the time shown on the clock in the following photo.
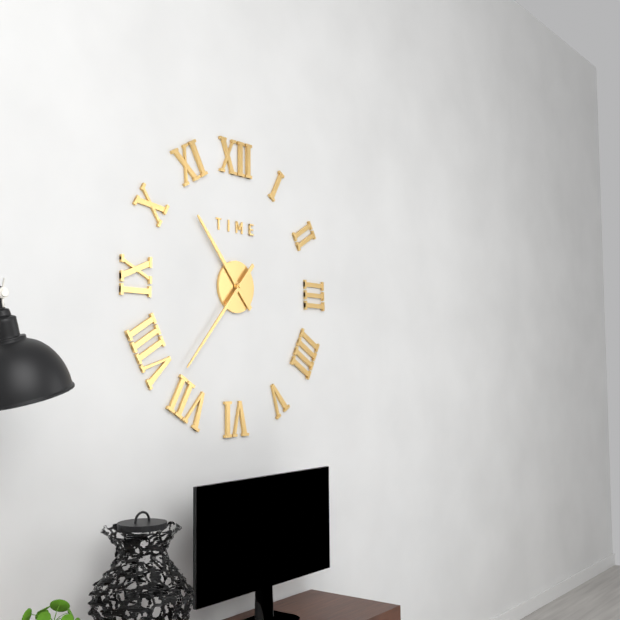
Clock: 10:37
